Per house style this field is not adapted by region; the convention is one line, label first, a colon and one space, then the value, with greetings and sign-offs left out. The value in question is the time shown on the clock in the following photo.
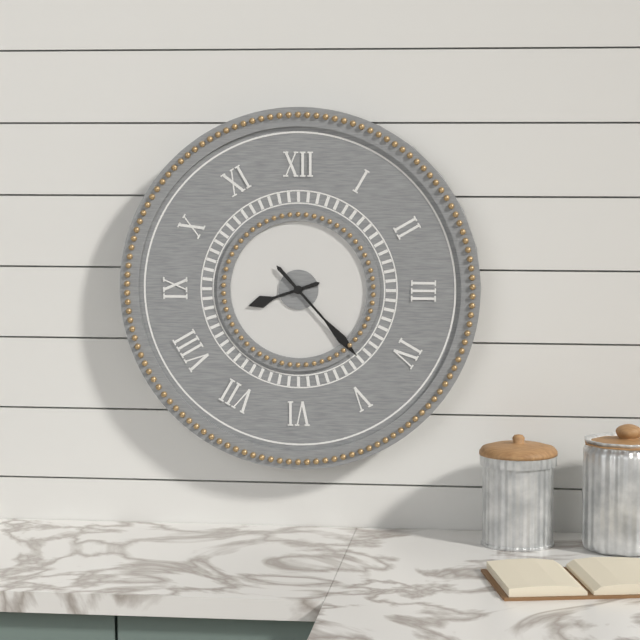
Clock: 8:23
